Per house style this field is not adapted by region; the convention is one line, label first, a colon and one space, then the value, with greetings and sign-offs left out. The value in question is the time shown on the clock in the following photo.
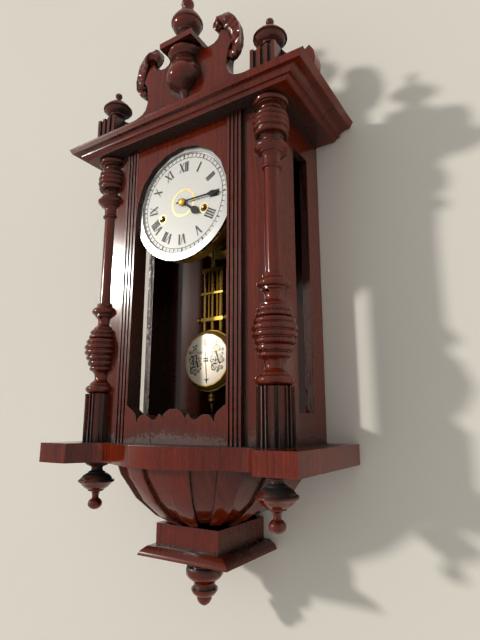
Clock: 4:15
